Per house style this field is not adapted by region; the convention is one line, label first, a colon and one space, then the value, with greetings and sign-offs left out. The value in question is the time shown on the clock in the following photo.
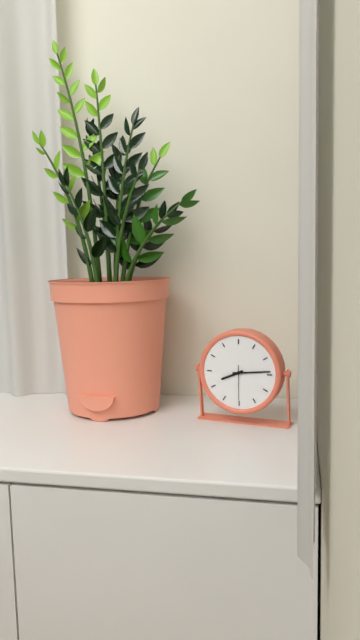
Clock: 8:14
